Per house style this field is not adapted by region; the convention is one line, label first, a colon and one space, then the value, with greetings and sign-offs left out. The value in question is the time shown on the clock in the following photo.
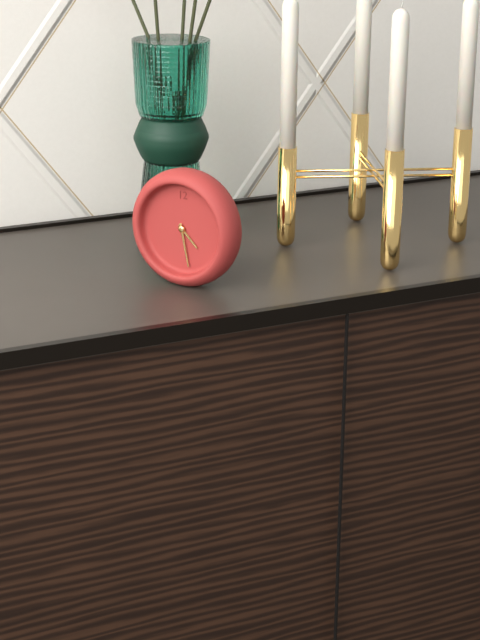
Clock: 4:28
